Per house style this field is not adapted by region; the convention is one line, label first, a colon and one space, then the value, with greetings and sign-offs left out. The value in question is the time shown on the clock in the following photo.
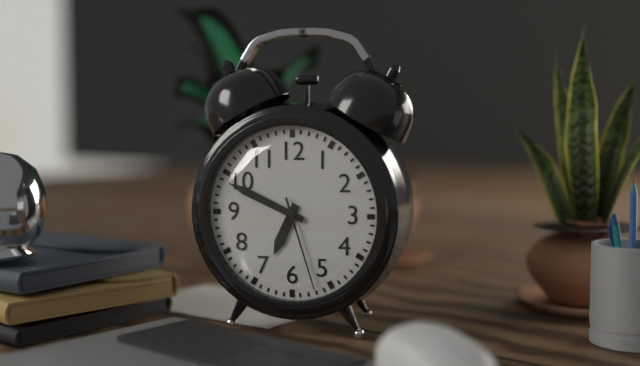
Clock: 6:49:27
